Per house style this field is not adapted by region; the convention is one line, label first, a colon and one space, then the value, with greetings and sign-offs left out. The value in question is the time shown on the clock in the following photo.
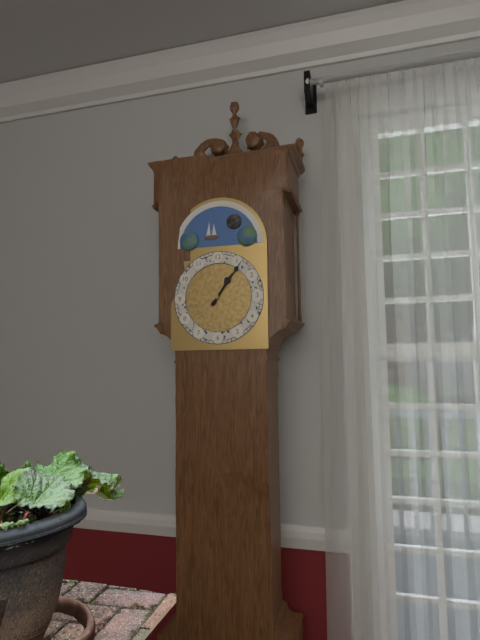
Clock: 1:06
